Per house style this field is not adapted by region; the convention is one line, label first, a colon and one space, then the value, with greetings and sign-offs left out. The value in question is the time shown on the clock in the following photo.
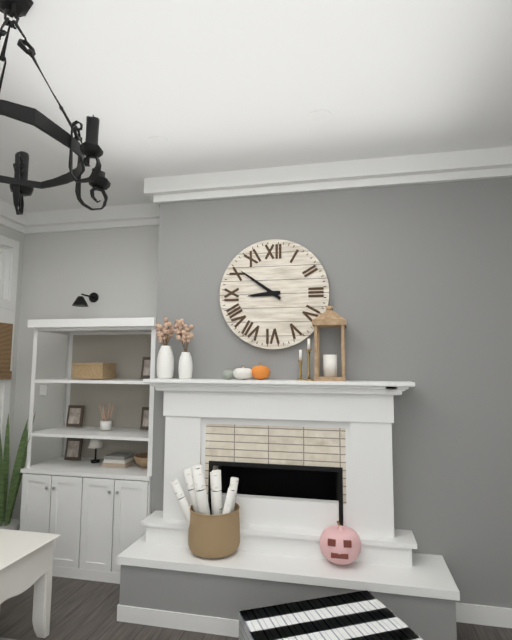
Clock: 8:51
